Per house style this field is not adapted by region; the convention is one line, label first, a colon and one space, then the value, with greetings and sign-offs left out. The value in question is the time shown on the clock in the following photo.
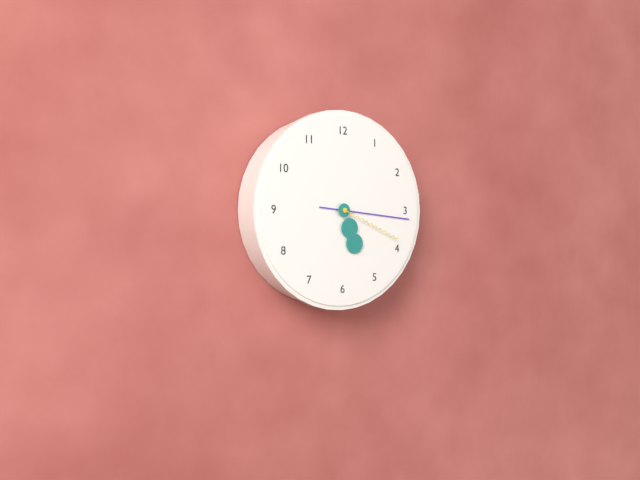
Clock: 5:16:19
